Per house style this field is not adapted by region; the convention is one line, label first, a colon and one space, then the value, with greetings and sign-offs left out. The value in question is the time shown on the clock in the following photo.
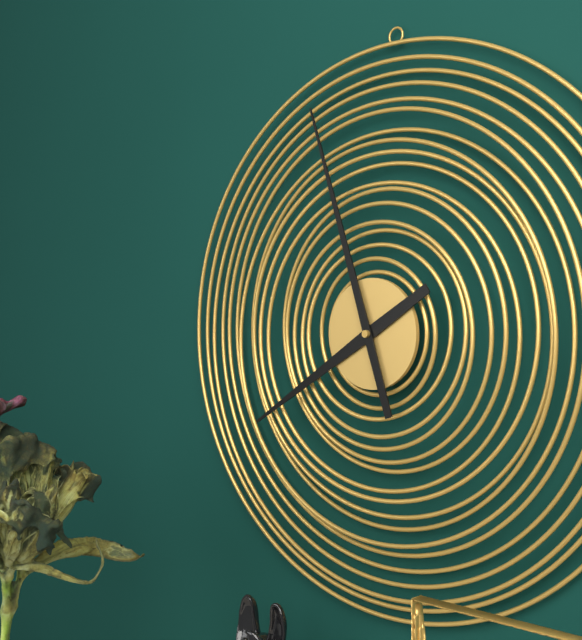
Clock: 7:57
